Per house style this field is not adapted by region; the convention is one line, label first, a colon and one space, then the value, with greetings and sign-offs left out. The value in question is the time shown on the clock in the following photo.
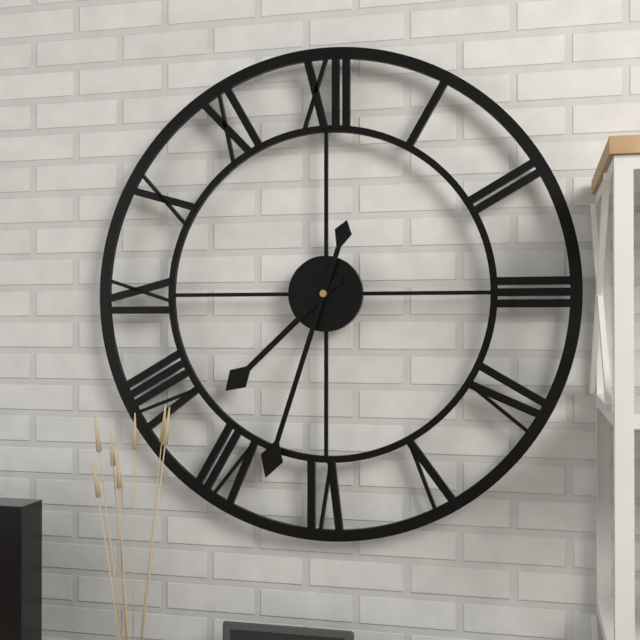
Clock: 7:33
